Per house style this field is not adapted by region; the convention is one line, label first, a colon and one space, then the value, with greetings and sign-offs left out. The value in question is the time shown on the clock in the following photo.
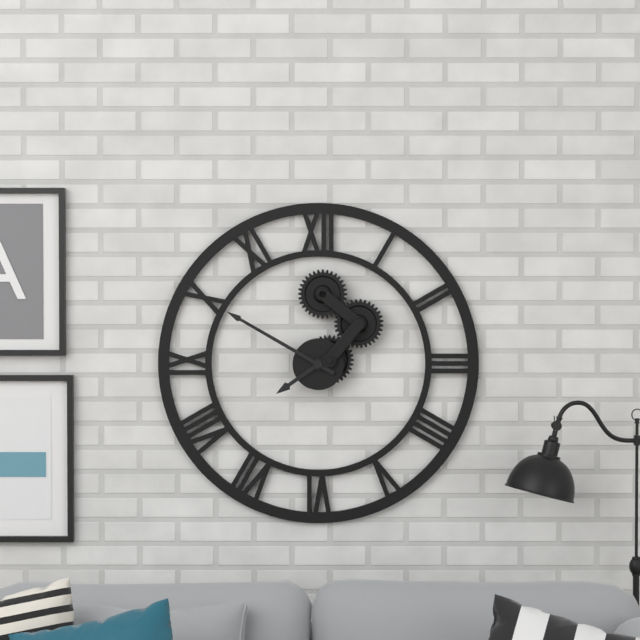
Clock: 7:50
